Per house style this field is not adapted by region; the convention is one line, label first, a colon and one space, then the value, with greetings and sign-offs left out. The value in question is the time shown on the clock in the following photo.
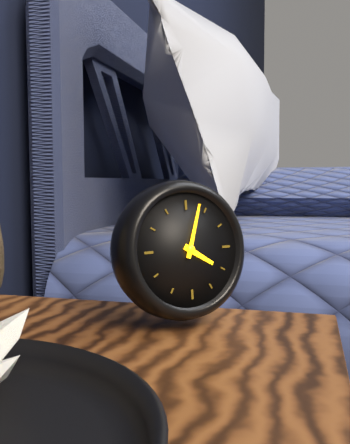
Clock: 4:03
